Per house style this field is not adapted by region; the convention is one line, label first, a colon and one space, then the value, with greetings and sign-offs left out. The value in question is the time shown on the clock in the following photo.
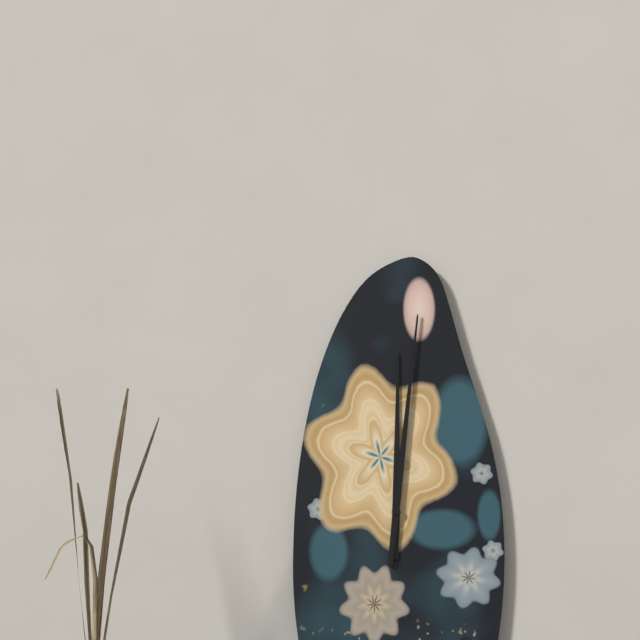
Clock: 12:01
